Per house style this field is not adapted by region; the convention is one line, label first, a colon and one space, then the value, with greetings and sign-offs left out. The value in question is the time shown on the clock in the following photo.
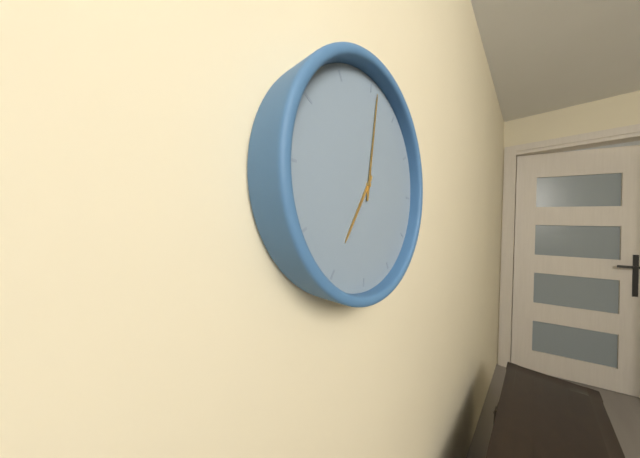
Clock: 7:01
